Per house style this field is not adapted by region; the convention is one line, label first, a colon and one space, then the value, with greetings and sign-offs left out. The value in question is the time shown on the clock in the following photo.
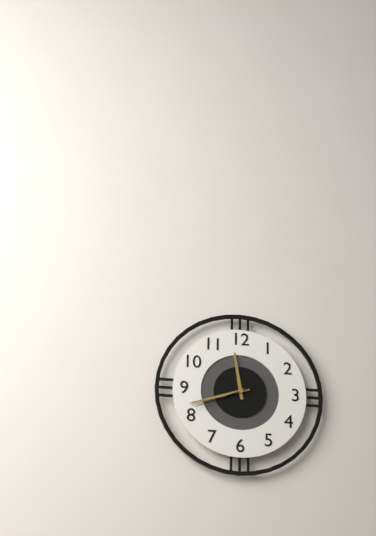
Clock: 11:42:41
